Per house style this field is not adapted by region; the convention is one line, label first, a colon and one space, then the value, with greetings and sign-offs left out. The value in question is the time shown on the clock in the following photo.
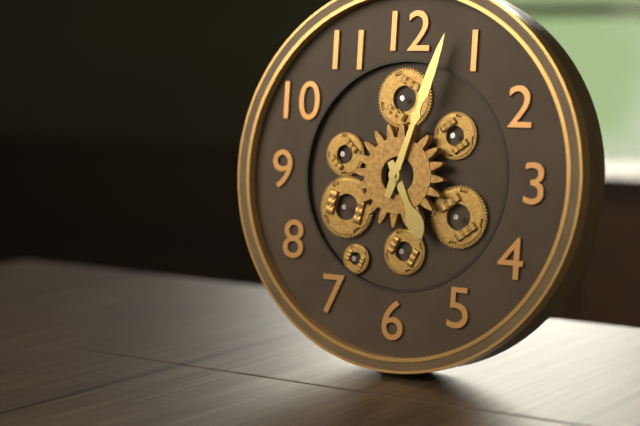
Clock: 5:03
